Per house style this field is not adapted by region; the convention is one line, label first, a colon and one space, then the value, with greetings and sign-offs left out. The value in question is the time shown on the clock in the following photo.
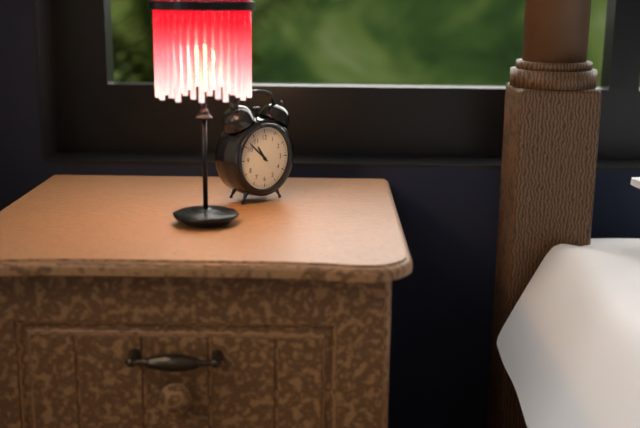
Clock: 10:52
